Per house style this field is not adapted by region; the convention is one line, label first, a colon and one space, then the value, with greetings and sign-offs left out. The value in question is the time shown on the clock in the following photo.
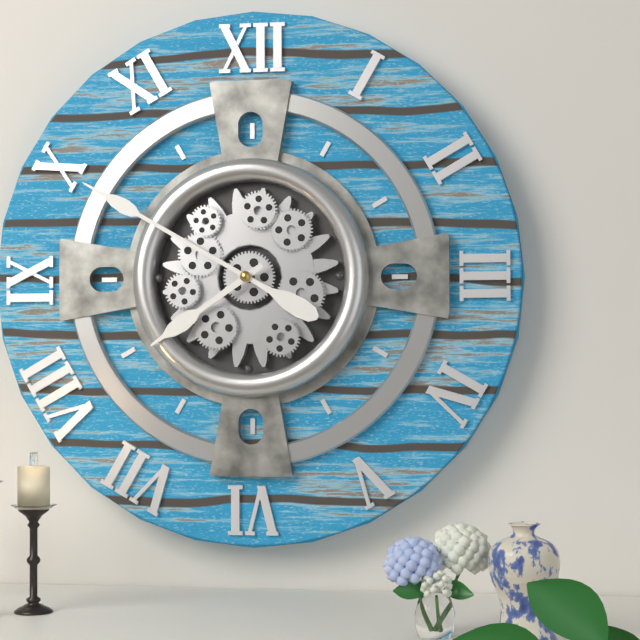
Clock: 7:50
